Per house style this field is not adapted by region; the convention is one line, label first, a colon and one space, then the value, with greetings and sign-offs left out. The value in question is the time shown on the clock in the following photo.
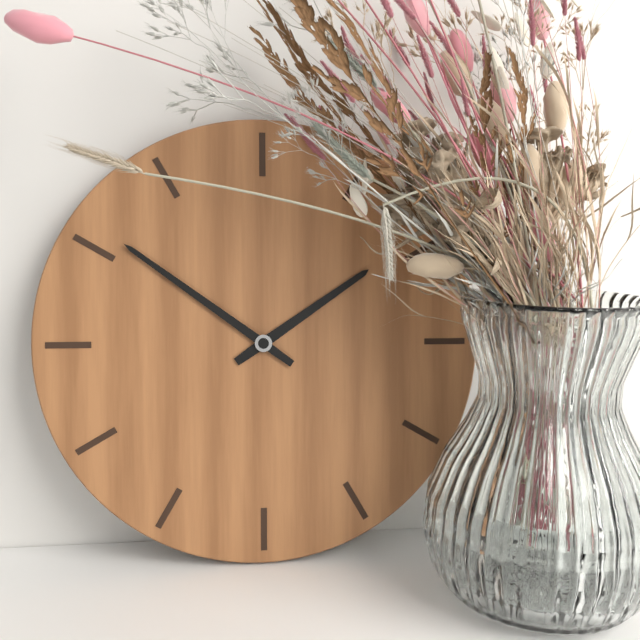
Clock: 1:51
